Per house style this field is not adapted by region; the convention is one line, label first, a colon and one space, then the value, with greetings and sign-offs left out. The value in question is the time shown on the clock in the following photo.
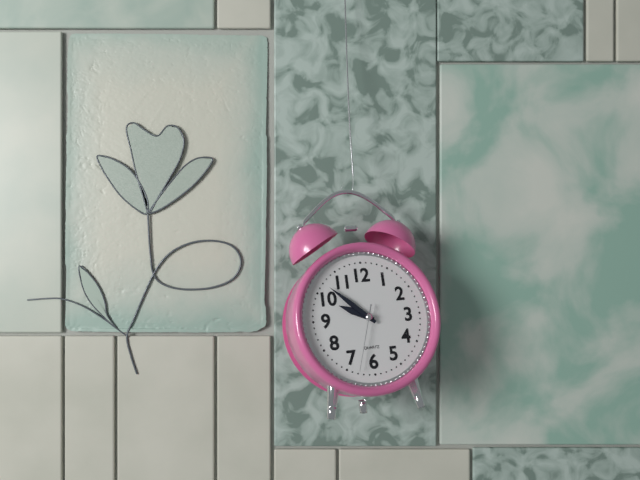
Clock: 9:52:33
